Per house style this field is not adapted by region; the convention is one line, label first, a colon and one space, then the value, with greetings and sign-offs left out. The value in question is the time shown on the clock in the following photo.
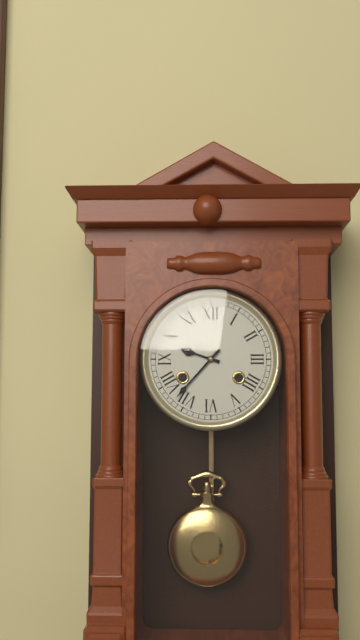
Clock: 9:37
